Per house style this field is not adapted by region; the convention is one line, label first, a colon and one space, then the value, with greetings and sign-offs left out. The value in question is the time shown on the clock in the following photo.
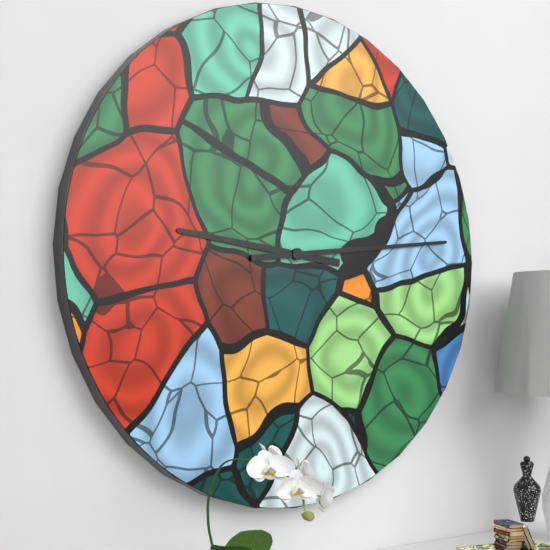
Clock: 9:14
